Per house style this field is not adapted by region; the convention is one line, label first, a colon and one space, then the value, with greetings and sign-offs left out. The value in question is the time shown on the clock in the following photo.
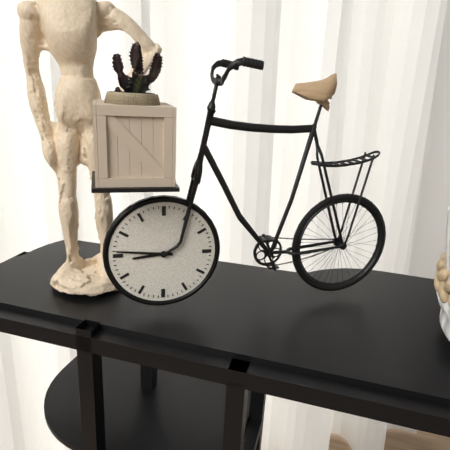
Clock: 8:46
